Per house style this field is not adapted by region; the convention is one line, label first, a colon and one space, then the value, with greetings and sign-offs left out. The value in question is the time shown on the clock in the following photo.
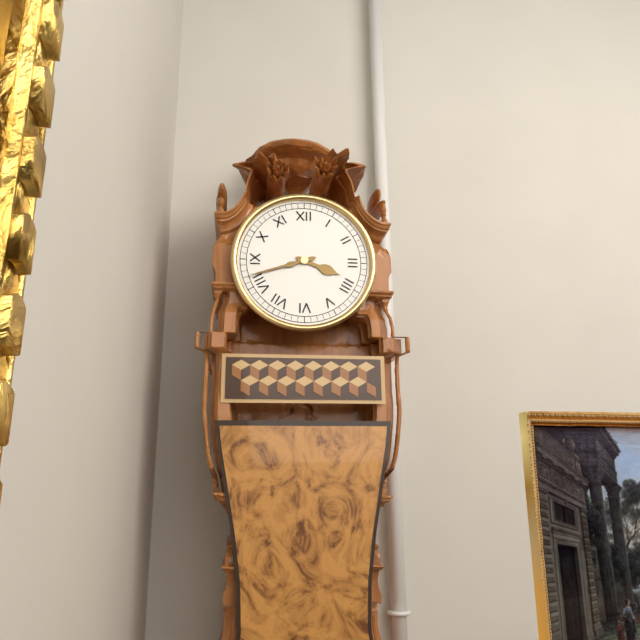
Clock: 3:42
